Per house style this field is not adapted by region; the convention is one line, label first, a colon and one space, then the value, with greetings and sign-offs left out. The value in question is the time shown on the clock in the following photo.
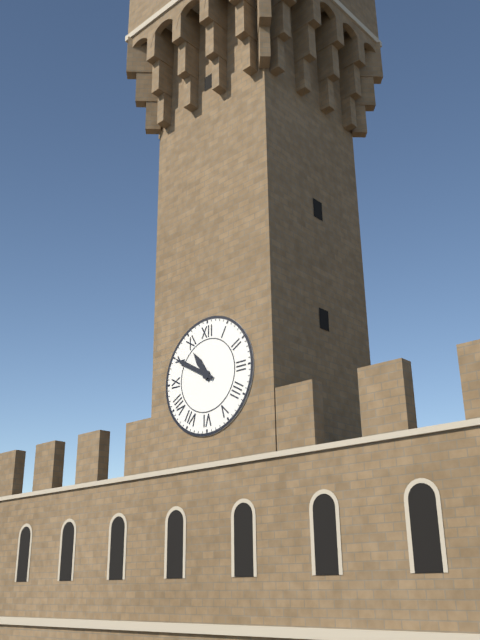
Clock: 10:50
